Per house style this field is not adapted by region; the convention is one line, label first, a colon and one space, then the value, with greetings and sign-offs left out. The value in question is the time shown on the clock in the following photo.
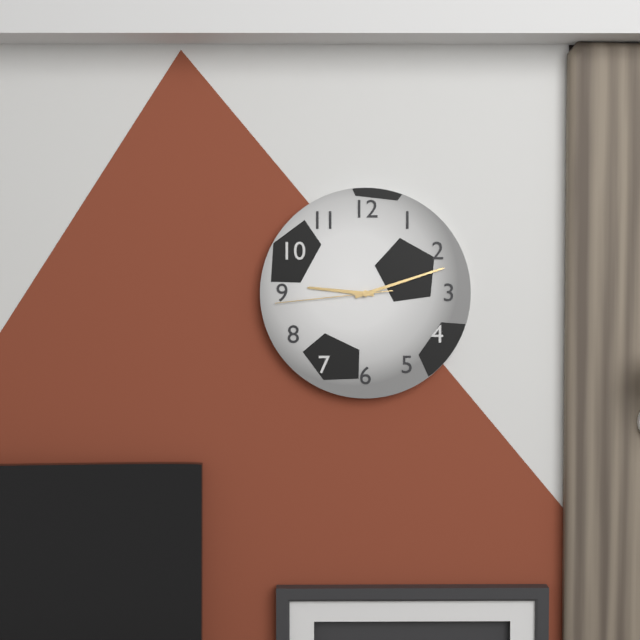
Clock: 9:12:44
